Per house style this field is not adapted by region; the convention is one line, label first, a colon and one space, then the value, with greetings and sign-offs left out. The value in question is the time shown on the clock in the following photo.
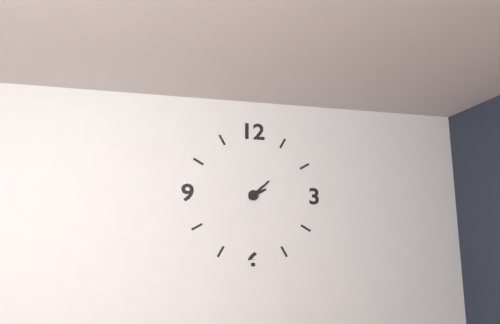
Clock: 2:08
